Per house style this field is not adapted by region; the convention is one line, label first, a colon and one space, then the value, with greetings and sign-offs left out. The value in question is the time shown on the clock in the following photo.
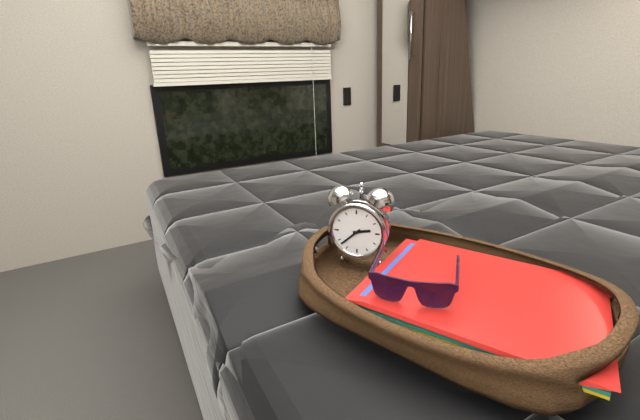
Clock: 2:38
